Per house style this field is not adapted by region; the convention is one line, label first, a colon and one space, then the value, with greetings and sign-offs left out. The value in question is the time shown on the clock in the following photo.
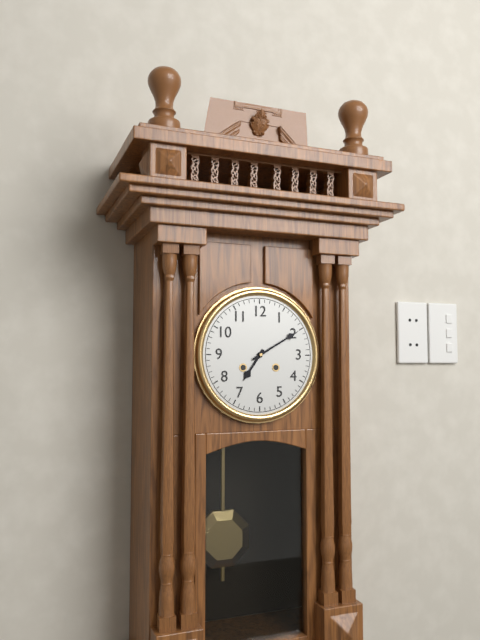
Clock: 7:10
